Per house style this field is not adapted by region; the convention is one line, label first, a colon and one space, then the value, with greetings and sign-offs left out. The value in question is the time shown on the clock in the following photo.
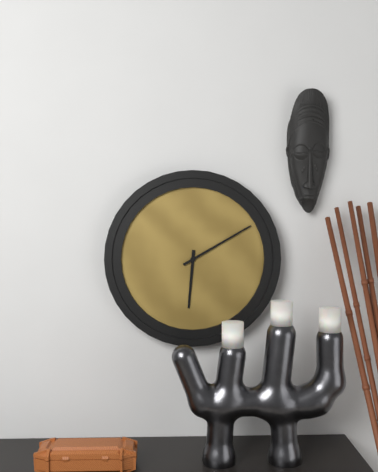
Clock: 6:10
